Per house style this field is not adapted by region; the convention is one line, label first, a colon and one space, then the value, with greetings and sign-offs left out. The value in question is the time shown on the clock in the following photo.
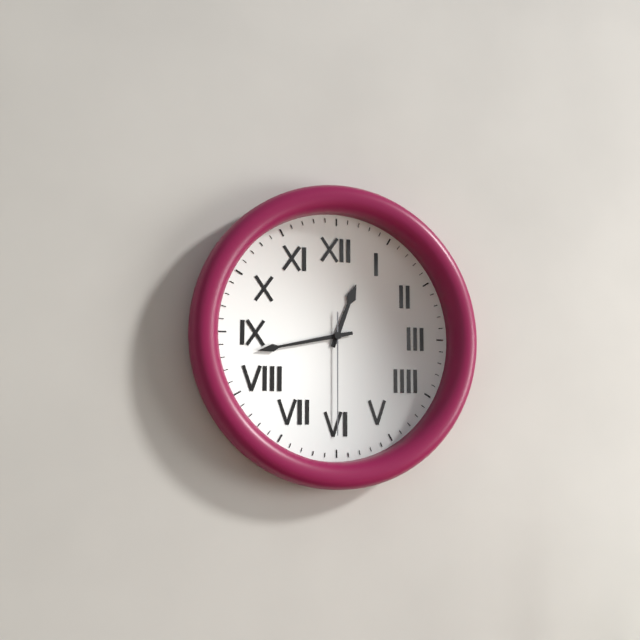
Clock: 12:43:30
